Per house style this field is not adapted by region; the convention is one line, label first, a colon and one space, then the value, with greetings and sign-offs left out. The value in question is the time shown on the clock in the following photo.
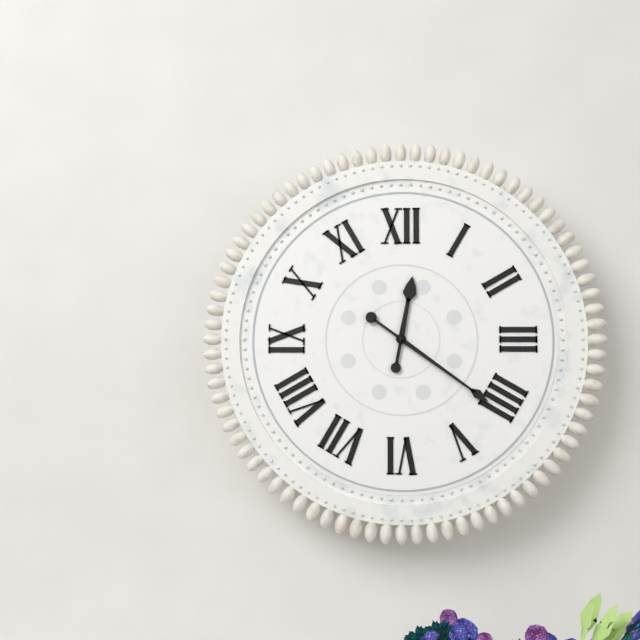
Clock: 12:21
